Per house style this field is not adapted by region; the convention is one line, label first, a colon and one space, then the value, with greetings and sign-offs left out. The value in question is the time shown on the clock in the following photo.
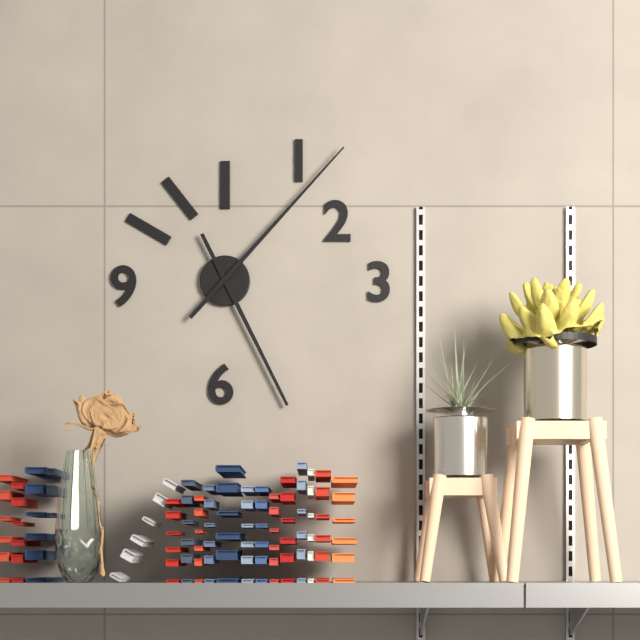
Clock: 5:07
